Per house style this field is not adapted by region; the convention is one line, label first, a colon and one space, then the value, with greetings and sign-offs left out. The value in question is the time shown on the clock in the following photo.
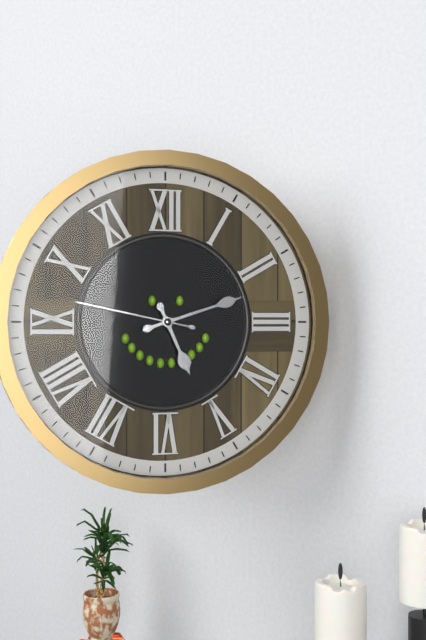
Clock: 5:12:47
